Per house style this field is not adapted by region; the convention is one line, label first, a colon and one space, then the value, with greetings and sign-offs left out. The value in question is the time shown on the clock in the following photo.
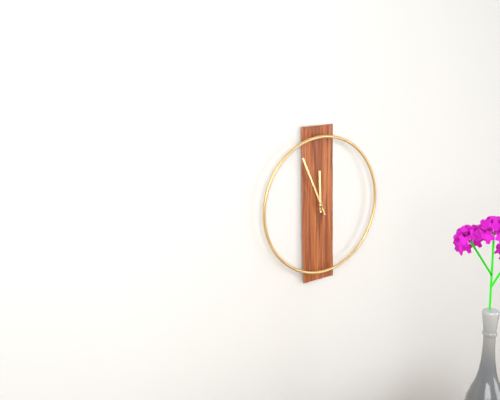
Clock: 11:56
